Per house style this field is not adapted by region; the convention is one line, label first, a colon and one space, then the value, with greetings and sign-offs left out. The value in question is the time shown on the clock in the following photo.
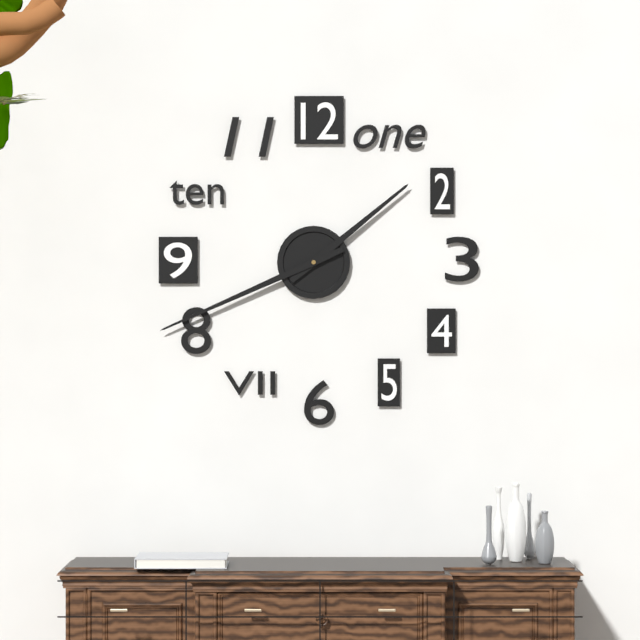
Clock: 1:41
